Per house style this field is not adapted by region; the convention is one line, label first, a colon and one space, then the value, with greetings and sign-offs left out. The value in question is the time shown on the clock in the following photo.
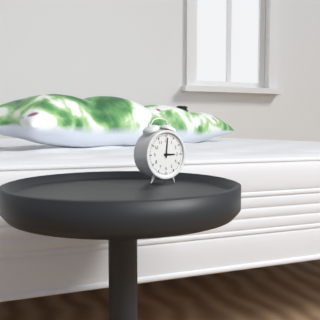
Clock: 3:01
